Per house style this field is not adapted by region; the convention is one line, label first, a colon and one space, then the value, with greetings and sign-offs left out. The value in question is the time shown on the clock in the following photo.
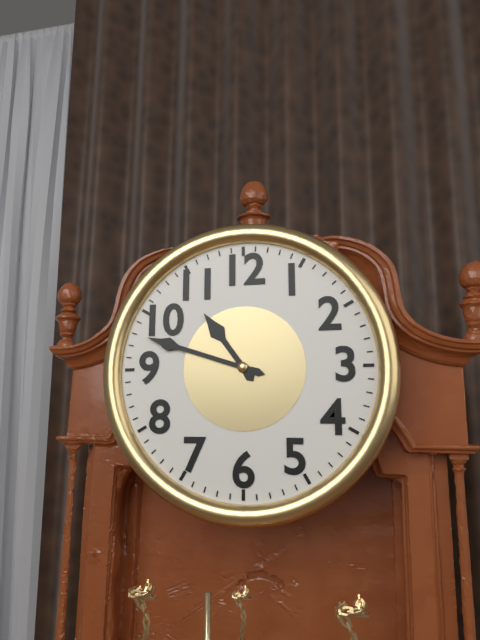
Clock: 10:48
